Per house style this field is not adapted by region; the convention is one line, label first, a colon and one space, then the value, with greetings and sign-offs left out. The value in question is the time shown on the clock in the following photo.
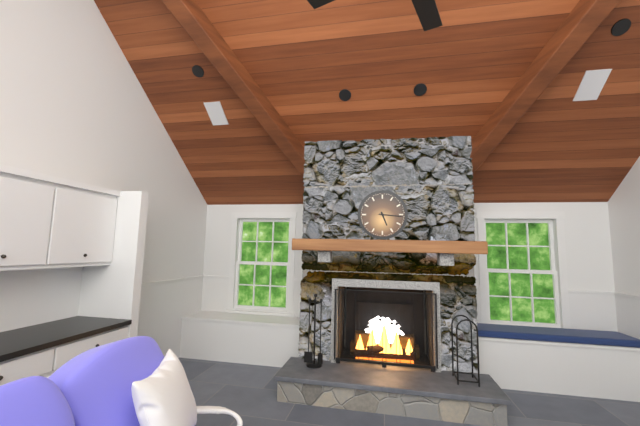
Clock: 5:16
